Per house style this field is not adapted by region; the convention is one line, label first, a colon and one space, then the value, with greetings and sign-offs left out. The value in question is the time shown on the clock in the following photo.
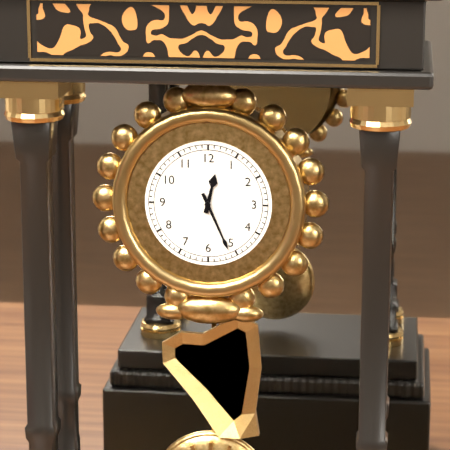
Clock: 12:26
